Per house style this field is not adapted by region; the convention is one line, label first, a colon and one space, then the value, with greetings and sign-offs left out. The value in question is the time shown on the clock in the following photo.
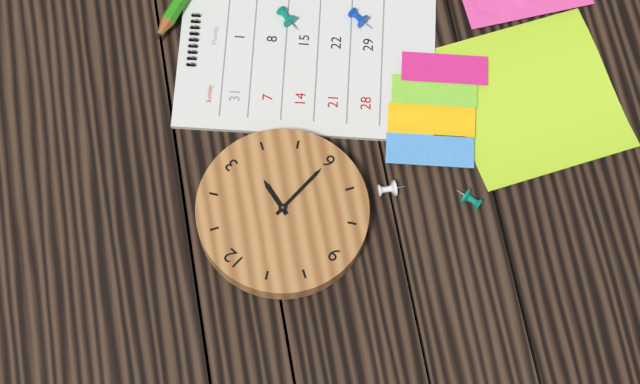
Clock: 3:30
